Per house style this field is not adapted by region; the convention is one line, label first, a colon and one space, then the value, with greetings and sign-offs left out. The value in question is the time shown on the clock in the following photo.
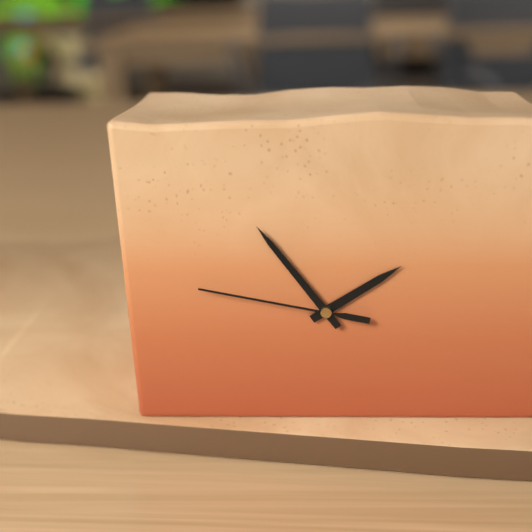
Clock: 1:54:47
